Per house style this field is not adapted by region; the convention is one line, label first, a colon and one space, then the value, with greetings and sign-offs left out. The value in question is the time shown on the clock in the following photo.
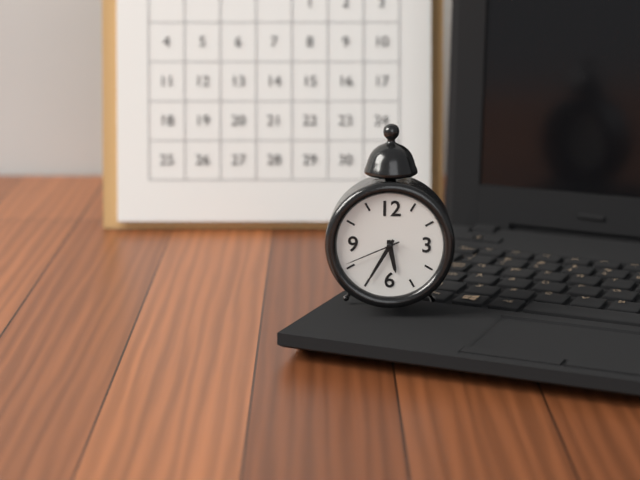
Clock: 5:35:41
